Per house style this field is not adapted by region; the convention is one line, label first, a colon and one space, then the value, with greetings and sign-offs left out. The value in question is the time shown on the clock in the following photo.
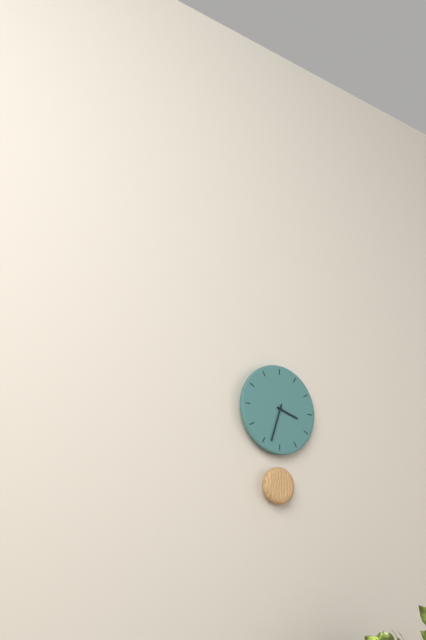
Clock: 3:33
